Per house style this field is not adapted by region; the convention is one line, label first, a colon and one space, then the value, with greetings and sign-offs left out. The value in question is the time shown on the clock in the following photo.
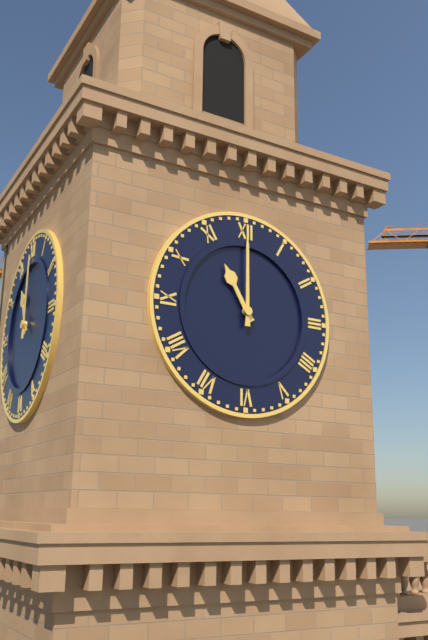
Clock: 11:00
